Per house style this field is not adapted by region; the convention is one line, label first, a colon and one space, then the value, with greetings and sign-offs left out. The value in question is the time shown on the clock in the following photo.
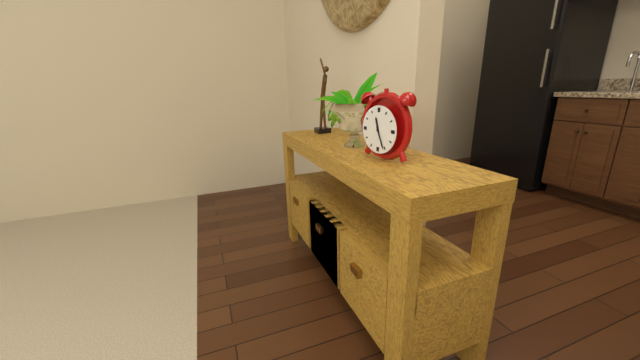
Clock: 11:26
